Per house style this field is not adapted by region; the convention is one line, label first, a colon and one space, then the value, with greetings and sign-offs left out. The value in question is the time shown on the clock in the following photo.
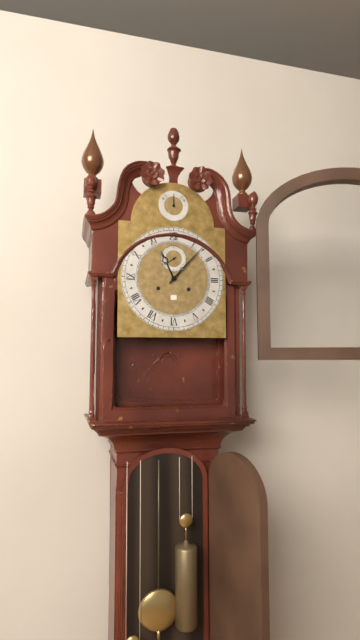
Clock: 11:07
